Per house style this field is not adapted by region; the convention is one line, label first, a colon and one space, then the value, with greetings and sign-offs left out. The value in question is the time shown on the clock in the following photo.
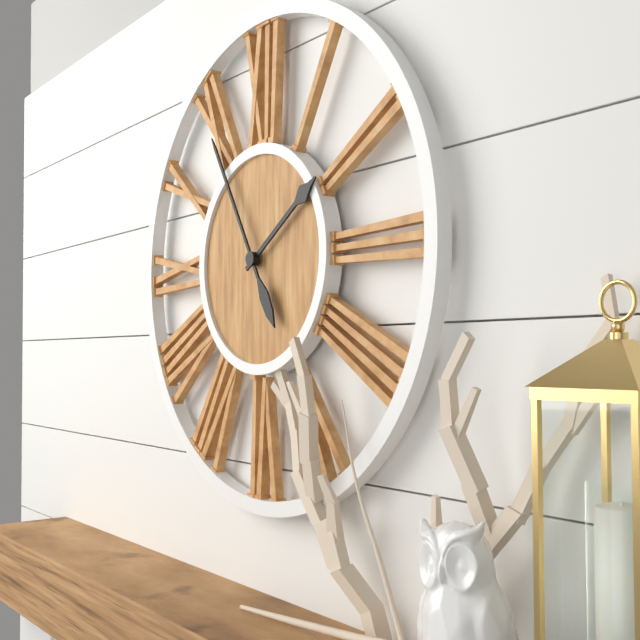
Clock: 1:55
